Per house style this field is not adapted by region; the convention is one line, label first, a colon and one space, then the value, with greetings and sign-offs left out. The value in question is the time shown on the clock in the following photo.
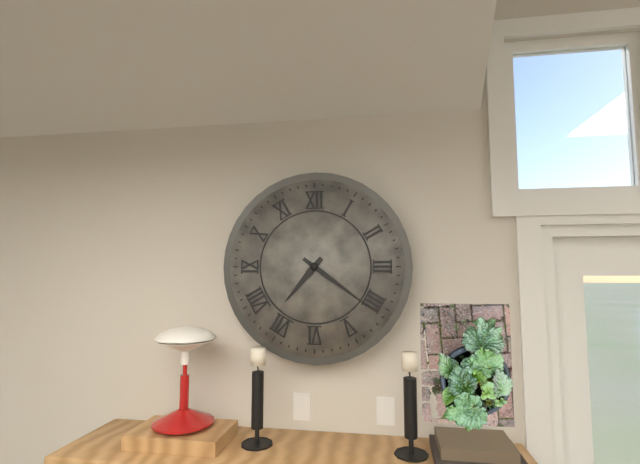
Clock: 7:21
